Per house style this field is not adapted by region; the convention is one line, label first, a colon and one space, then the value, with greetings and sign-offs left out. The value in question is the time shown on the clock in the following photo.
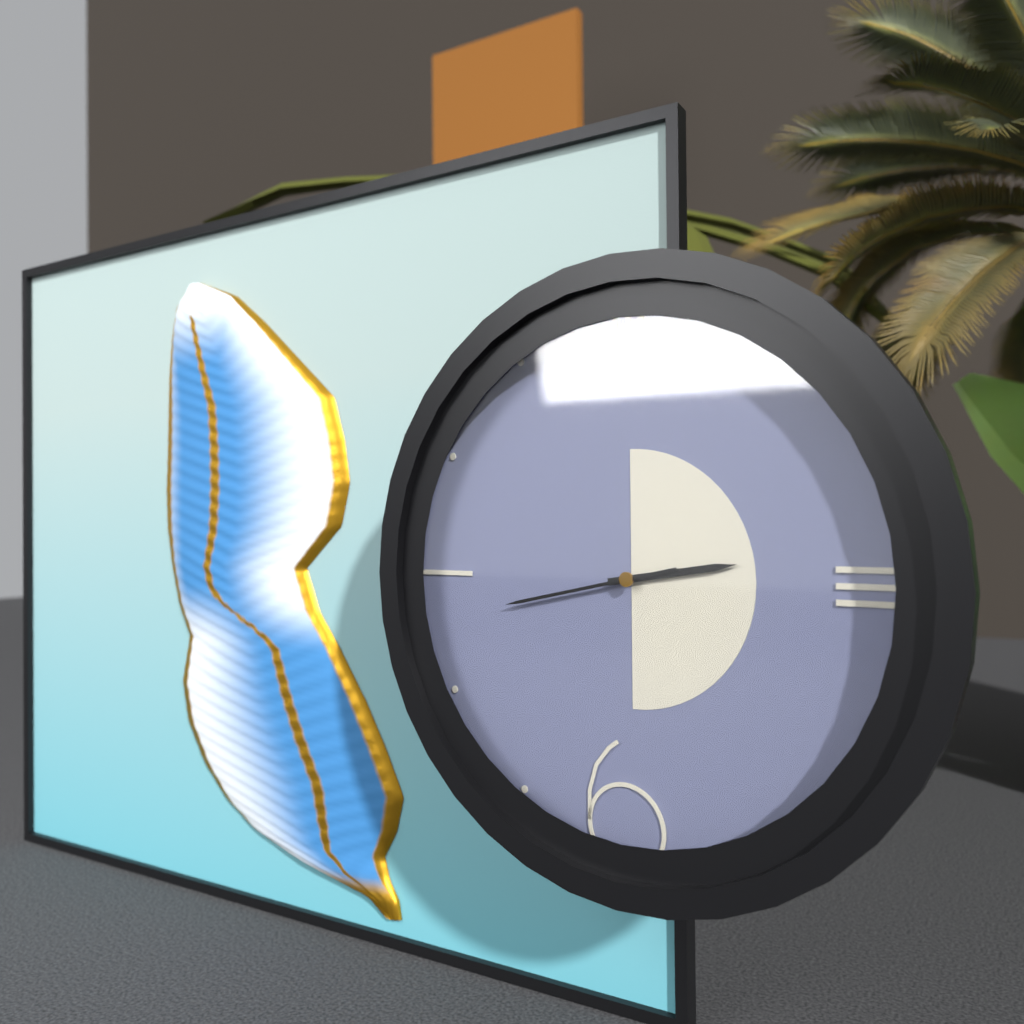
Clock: 2:43
